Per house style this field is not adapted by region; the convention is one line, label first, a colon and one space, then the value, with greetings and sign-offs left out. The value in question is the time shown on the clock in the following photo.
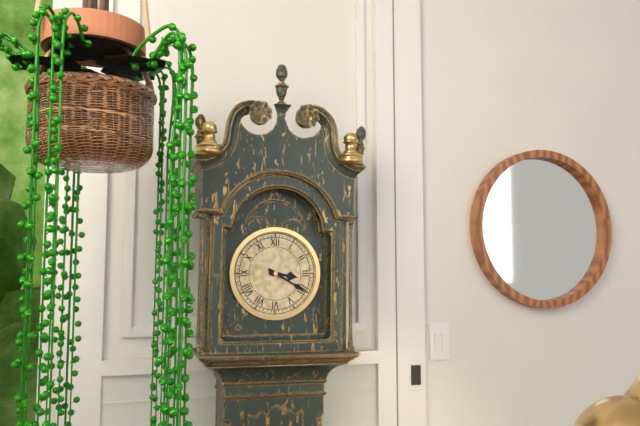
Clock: 3:20
